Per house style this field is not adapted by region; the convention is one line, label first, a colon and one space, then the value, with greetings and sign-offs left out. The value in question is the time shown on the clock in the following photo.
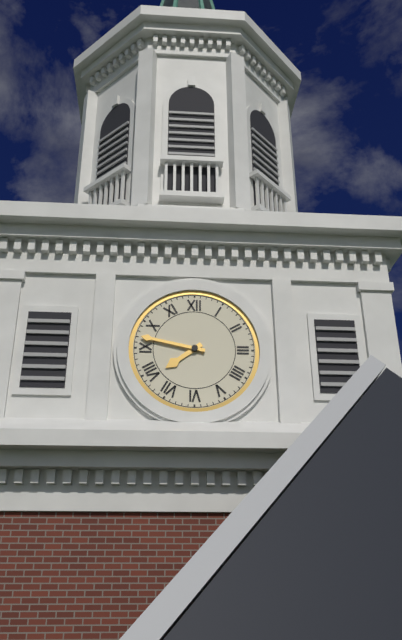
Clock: 7:47
